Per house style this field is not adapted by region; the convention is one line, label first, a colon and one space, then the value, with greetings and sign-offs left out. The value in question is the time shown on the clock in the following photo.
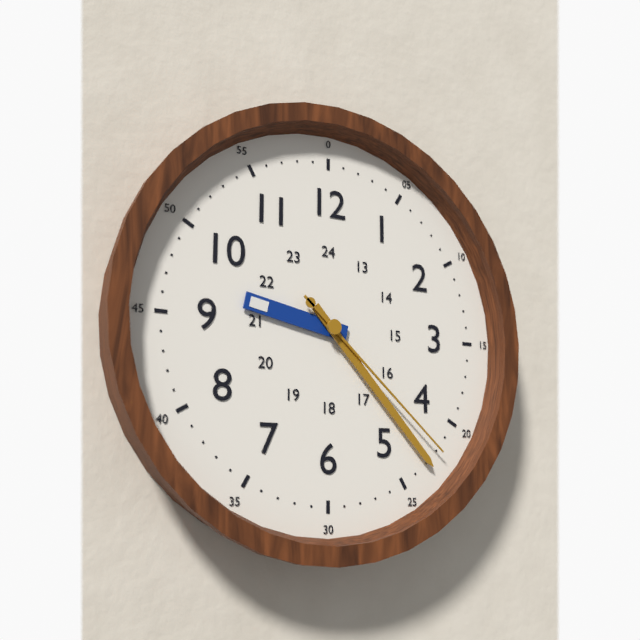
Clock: 9:23:22
